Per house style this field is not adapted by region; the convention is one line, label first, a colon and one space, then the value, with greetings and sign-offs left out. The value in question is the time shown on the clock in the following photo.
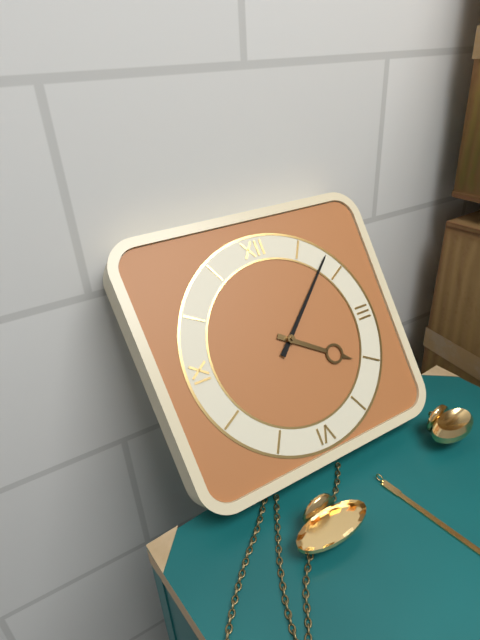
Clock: 4:08
